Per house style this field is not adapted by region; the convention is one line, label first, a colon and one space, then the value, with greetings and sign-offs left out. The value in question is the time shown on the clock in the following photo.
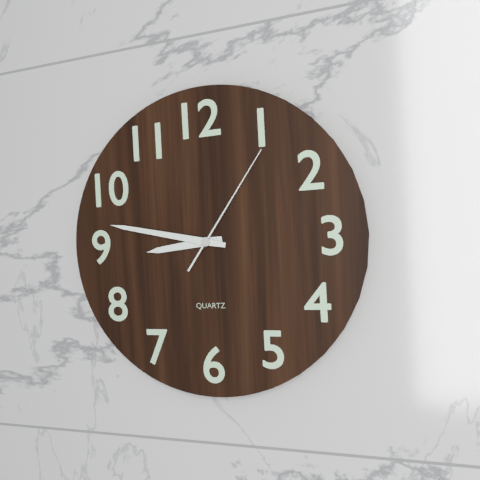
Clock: 8:47:06
